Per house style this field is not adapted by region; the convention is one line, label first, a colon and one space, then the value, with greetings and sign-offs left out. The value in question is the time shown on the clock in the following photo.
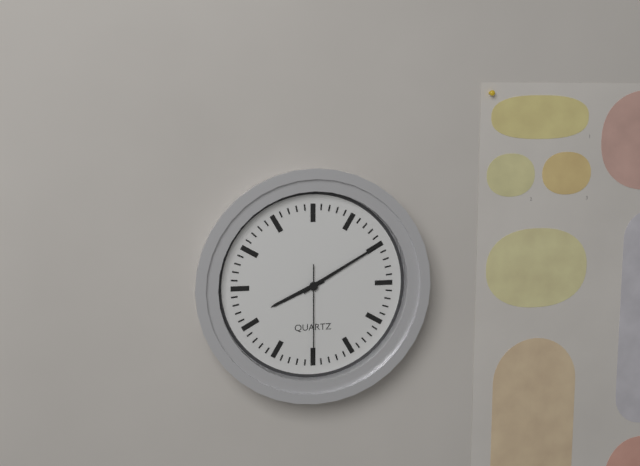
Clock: 8:10:30
